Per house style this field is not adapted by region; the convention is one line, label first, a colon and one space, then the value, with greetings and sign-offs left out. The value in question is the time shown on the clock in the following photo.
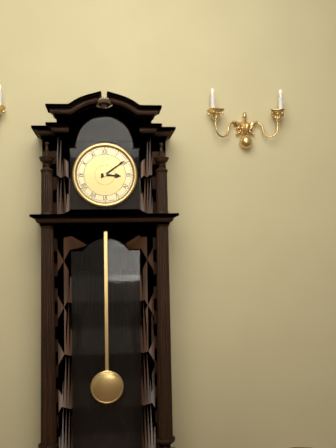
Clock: 3:09
